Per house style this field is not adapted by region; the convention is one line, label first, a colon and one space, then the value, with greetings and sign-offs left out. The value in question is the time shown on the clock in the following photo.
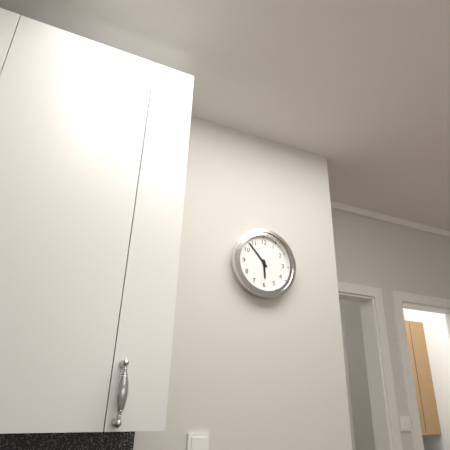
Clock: 5:53
